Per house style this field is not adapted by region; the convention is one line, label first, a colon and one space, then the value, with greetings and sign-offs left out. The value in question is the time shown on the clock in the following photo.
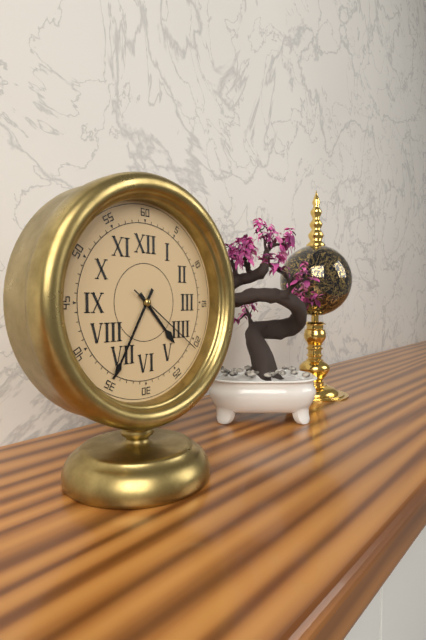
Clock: 4:35:21
